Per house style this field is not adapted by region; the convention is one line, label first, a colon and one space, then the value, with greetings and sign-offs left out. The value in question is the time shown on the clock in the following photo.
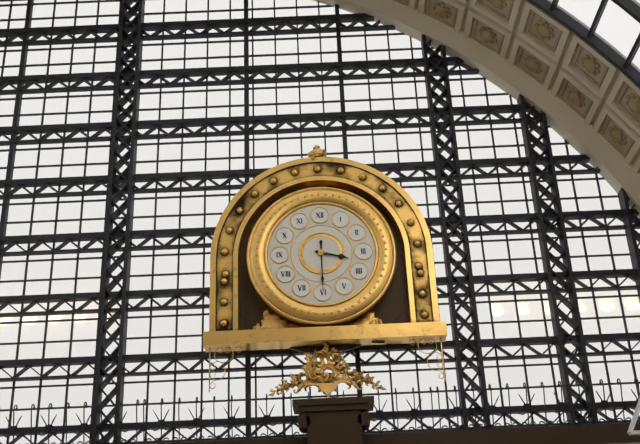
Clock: 3:30
